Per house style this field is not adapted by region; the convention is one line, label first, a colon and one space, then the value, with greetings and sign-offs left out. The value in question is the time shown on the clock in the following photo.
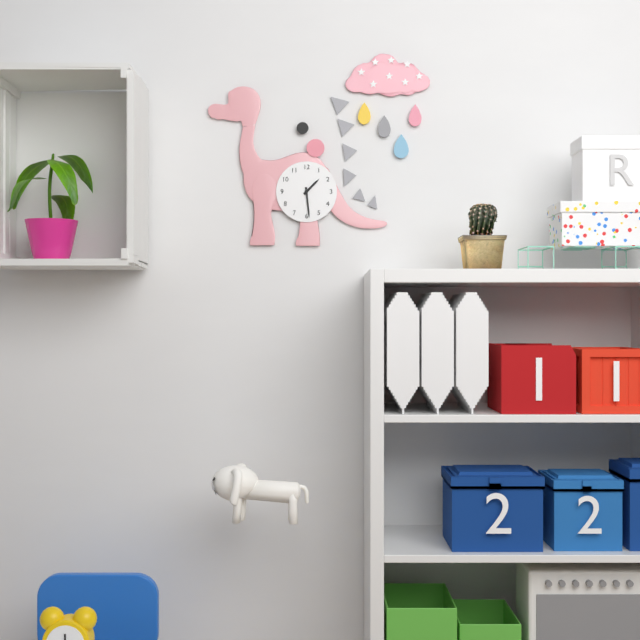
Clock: 1:29
